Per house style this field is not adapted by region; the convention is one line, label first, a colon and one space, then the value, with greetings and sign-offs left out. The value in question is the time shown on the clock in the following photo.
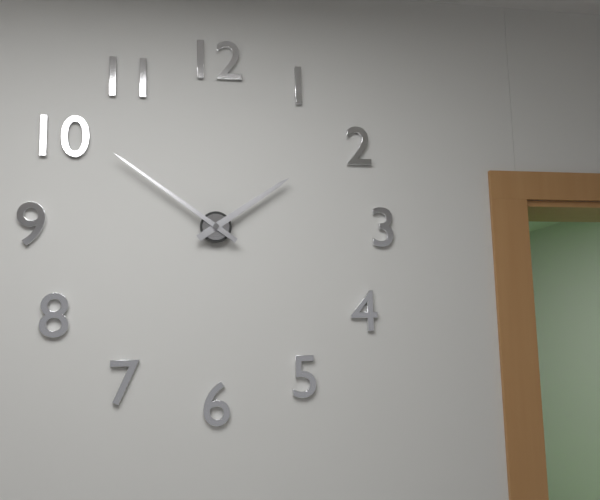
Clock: 1:51
